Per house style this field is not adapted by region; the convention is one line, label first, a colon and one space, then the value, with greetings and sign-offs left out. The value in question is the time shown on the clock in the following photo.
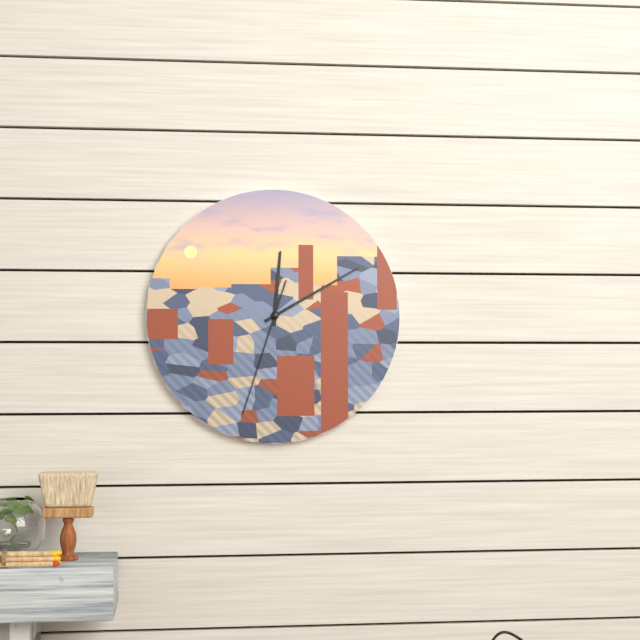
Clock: 12:10:33
